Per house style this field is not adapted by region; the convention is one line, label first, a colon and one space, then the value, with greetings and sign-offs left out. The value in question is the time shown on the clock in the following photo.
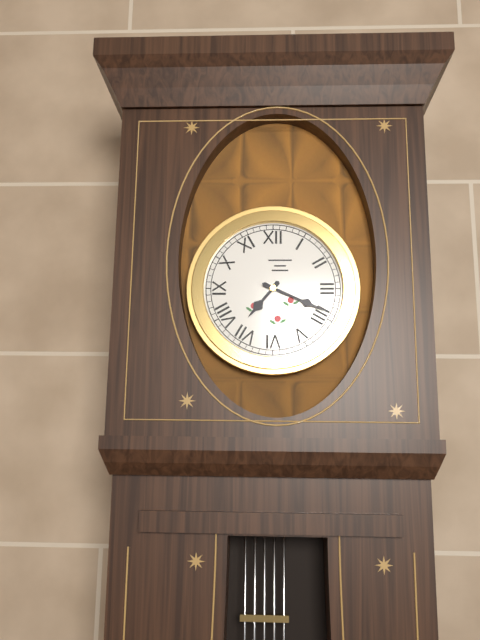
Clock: 7:19
